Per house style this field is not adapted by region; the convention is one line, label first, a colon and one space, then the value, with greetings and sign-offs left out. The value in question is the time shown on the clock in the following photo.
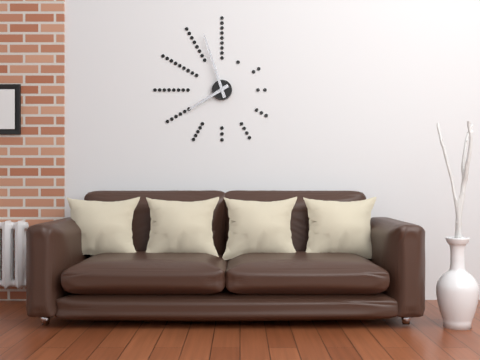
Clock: 7:57
